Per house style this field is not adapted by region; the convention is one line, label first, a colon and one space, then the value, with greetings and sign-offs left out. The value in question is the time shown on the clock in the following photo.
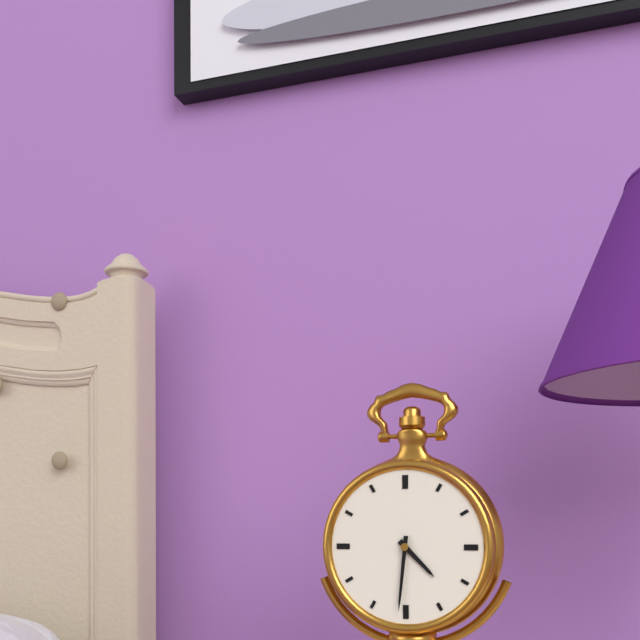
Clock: 4:31
